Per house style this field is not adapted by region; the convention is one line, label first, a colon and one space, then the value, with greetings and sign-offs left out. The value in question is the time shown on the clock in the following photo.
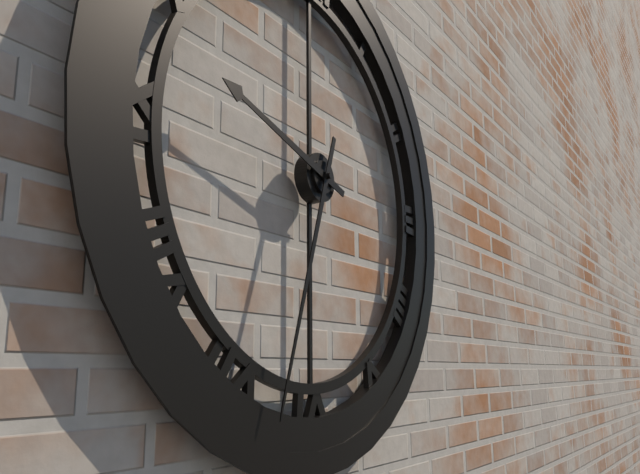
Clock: 9:33
